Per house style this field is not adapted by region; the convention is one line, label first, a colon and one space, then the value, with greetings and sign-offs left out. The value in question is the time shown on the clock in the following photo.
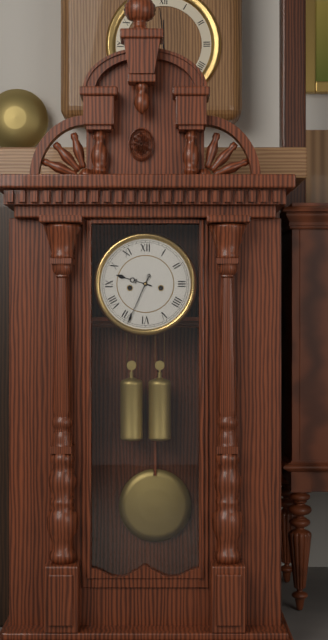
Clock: 9:34
